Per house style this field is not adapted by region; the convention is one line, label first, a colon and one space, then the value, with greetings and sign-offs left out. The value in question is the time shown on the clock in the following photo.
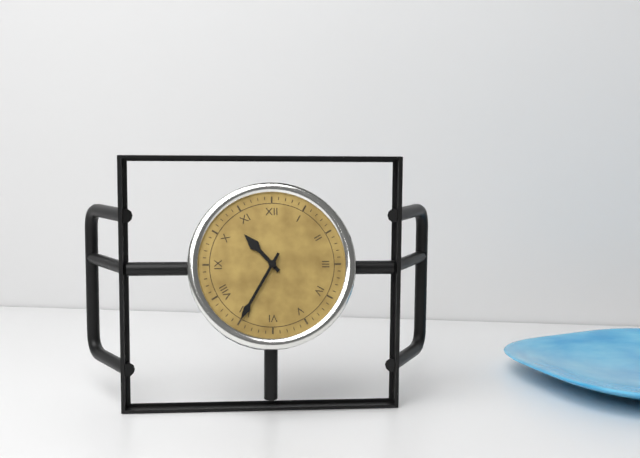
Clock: 10:35
